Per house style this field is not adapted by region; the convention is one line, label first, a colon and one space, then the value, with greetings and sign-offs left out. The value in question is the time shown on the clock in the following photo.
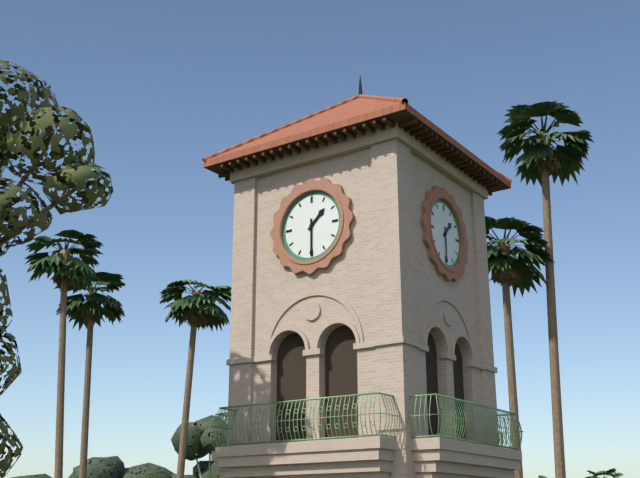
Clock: 1:30
